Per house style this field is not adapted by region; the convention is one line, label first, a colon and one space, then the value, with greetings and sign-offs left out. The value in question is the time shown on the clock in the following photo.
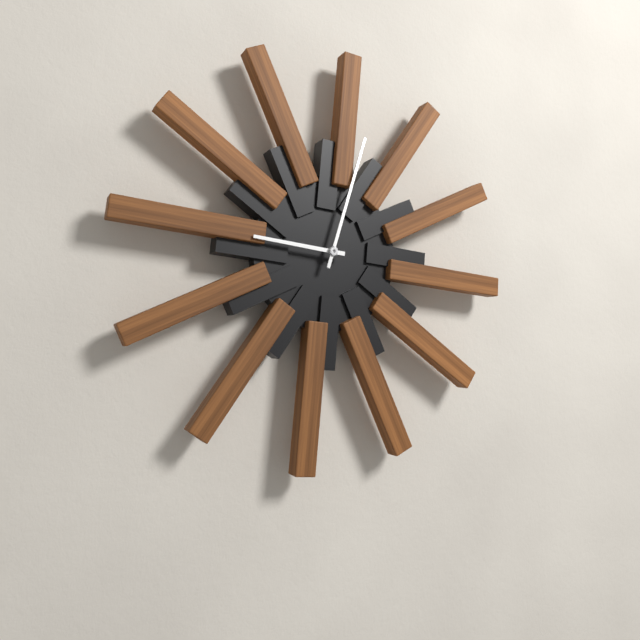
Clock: 9:02
